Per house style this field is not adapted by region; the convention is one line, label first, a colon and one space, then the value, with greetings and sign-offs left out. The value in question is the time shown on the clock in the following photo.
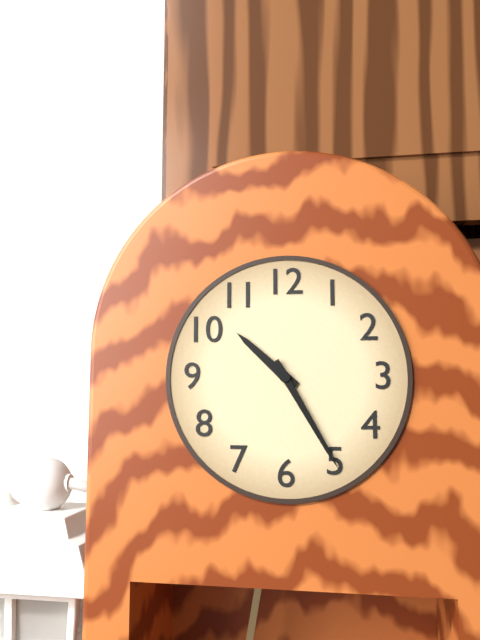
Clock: 10:25
